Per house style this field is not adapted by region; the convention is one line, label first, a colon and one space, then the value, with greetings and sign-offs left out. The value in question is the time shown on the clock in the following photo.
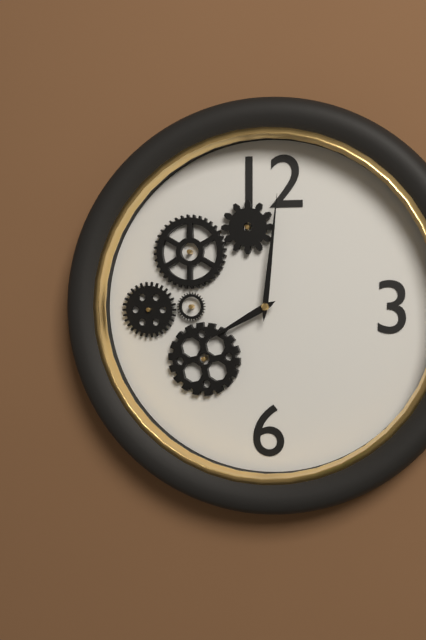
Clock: 8:01
